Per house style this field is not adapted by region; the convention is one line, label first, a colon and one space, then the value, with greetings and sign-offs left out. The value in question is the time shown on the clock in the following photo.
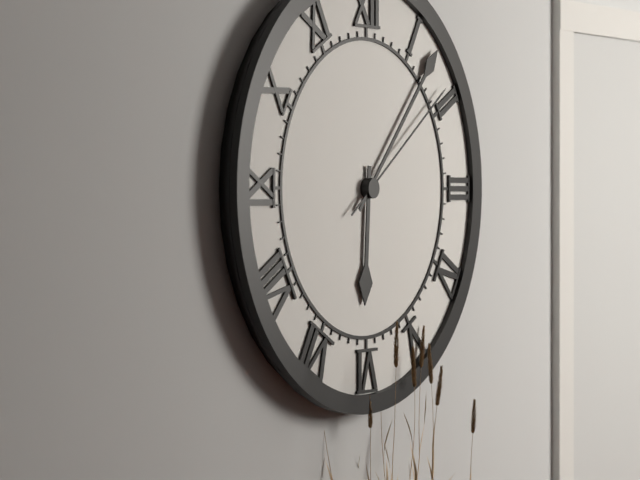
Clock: 6:07:09
